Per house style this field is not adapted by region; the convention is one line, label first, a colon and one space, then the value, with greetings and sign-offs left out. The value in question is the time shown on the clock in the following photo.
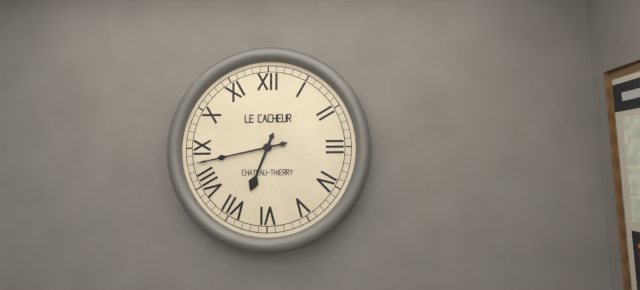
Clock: 6:43
